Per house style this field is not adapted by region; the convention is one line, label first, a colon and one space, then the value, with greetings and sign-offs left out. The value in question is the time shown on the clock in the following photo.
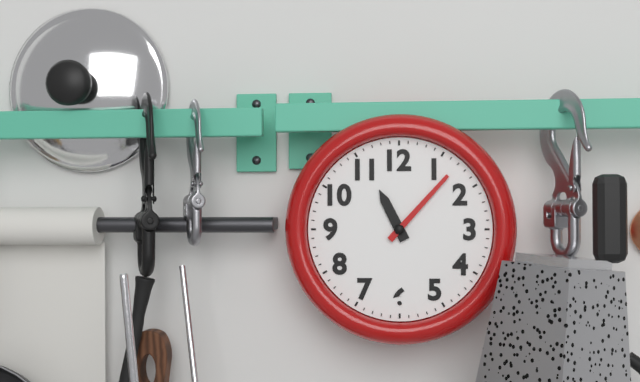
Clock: 11:07
